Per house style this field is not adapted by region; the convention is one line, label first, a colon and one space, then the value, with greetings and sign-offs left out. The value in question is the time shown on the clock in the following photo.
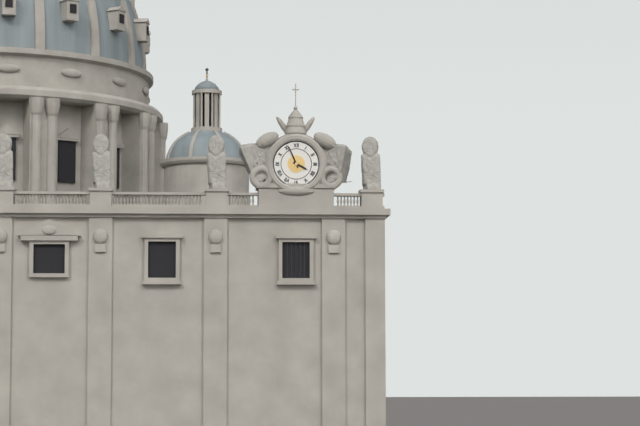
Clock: 3:56
